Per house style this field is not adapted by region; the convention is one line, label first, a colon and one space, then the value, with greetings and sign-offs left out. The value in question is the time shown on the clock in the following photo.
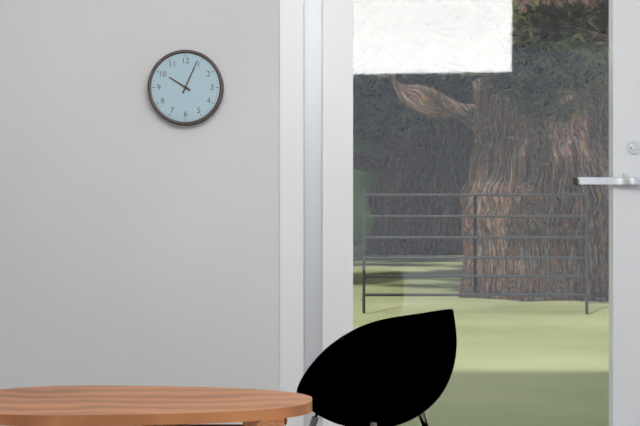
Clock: 10:04
